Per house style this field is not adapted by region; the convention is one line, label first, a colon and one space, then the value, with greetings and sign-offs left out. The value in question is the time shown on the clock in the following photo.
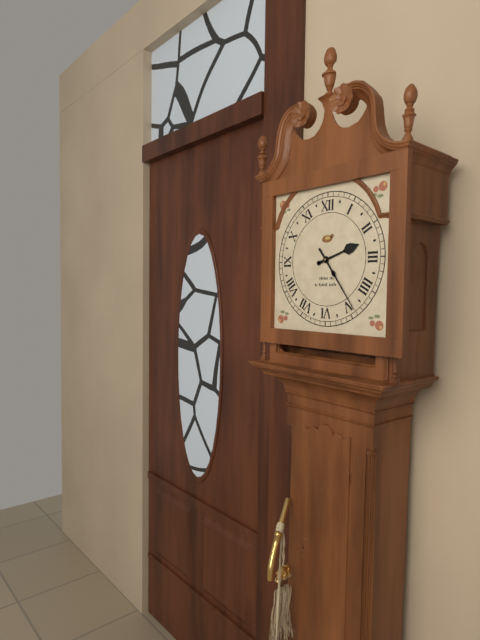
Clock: 2:24
